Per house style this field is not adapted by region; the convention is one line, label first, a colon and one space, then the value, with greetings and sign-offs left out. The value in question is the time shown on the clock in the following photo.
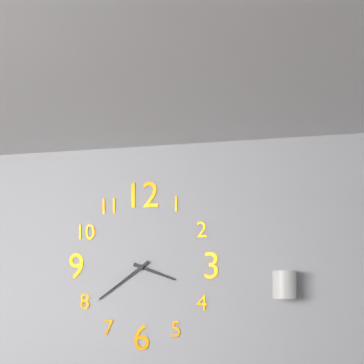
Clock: 3:39
